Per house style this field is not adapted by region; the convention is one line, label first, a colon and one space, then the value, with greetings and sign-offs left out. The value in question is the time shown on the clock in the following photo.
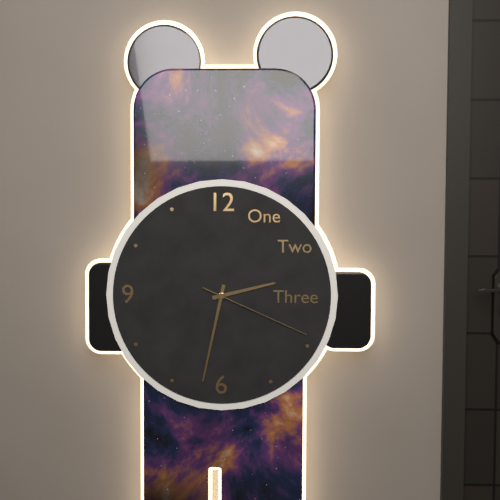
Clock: 2:32:19
